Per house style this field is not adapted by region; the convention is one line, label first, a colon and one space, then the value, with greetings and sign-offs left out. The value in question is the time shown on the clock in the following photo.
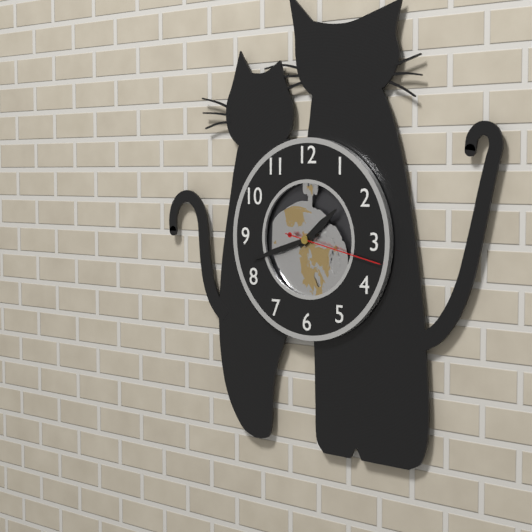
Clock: 1:42:17
